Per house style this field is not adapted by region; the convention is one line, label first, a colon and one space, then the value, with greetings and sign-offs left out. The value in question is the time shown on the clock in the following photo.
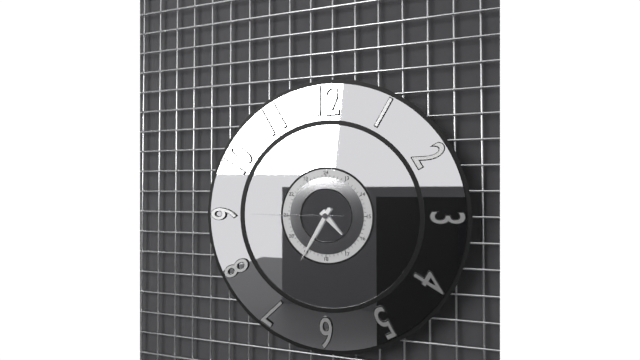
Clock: 4:35:45
